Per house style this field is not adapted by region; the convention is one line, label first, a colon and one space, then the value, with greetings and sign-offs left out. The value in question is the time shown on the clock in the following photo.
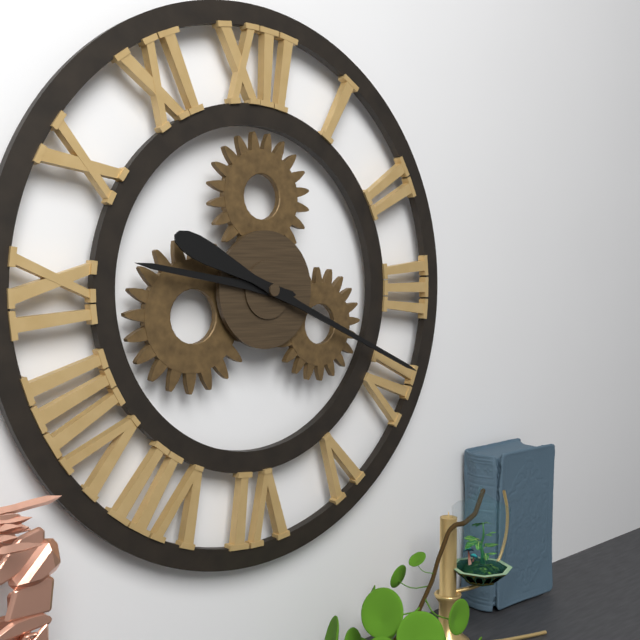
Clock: 9:19
